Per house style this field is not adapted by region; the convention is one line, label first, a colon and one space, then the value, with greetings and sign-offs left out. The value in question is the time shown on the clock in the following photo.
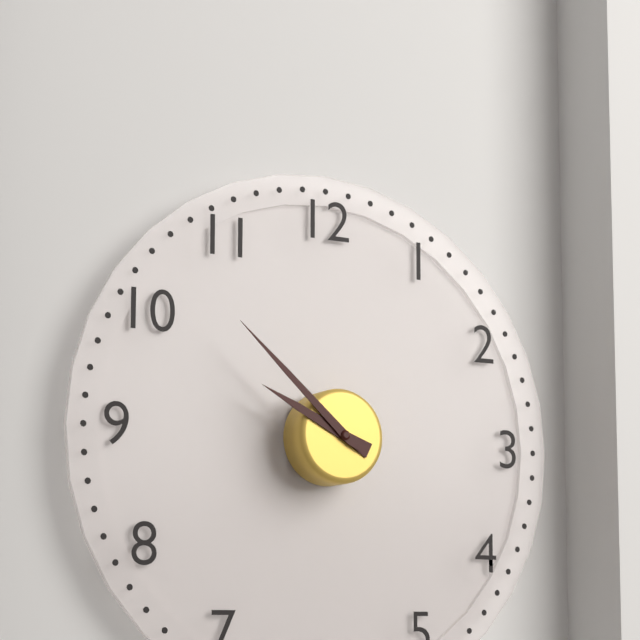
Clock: 9:52
